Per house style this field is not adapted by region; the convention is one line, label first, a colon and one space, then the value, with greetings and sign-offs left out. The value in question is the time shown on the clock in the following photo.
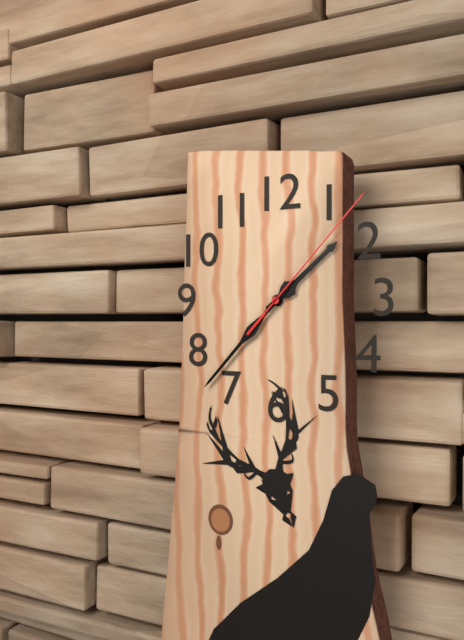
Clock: 1:37:07
